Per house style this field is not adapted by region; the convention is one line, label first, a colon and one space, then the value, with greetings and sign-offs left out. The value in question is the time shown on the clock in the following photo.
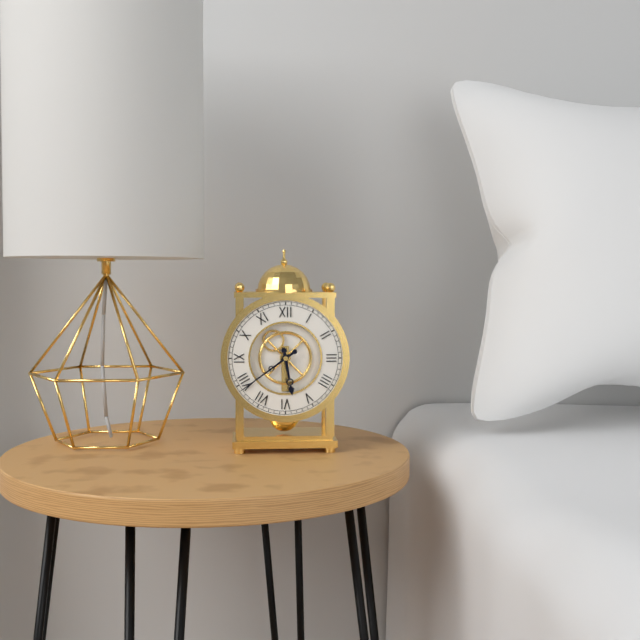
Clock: 5:39
